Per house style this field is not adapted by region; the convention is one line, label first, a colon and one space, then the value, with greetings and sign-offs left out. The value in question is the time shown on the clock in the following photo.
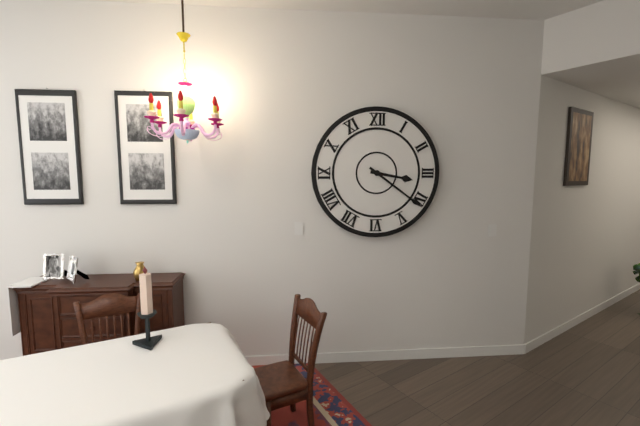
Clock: 3:21
